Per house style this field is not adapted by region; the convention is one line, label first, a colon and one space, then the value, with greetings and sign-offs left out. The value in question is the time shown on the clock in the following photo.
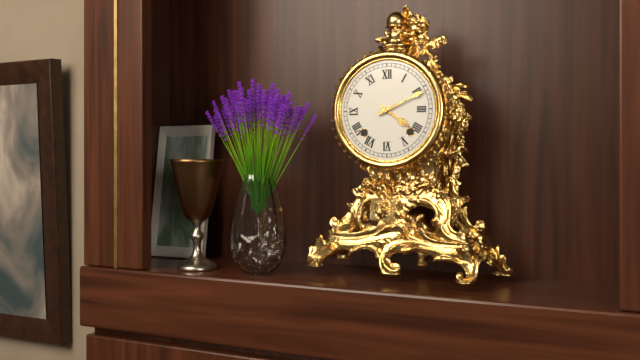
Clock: 4:11
